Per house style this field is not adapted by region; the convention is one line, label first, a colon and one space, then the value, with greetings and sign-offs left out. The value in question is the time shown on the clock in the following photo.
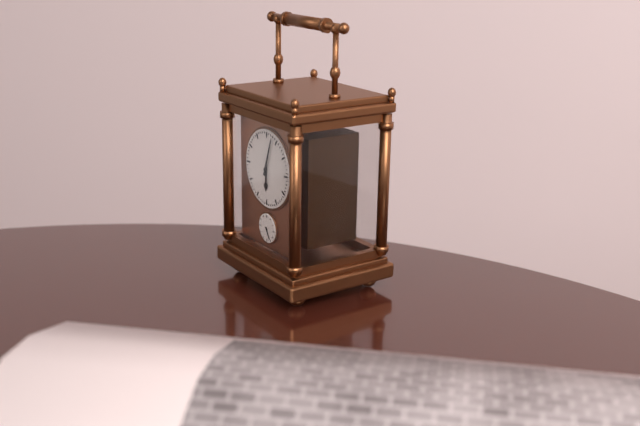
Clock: 6:03
